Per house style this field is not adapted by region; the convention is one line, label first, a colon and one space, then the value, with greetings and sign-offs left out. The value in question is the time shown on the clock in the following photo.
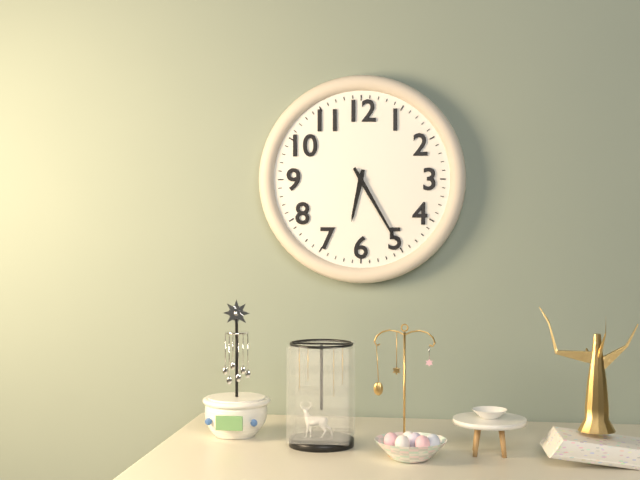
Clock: 6:25
